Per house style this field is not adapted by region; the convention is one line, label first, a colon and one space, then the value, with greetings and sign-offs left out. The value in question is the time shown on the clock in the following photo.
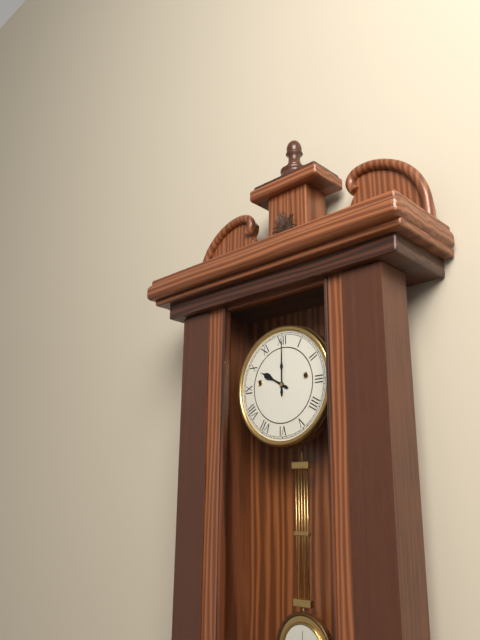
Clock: 10:00
